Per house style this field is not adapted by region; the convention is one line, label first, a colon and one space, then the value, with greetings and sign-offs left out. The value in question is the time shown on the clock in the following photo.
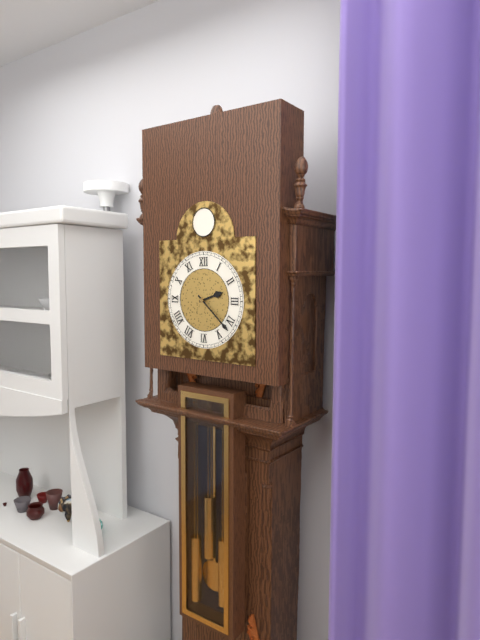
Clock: 2:22
